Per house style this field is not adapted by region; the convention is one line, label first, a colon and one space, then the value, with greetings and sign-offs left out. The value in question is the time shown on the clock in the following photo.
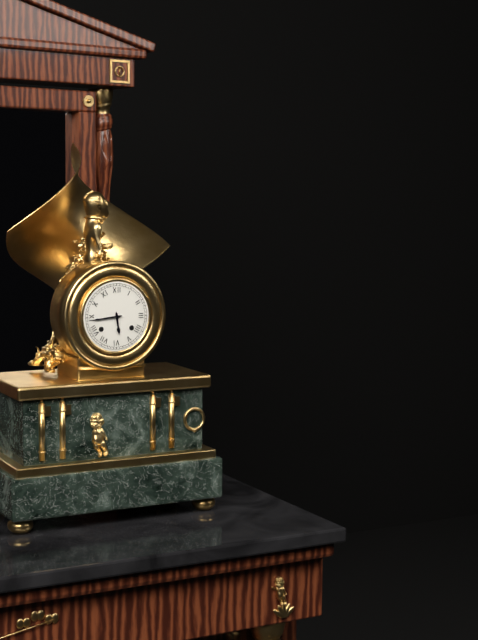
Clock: 5:44
